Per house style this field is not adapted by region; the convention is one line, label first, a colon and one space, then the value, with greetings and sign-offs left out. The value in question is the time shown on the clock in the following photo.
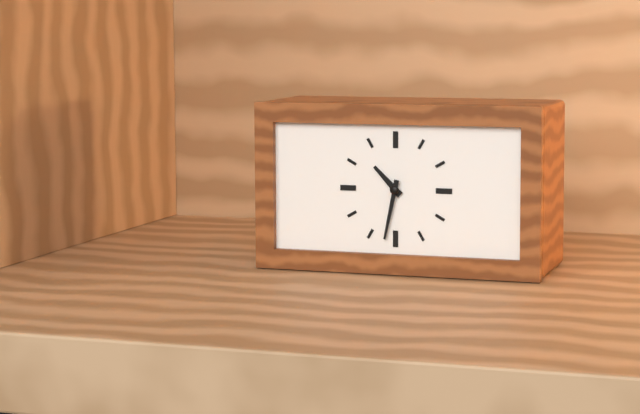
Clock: 10:32
